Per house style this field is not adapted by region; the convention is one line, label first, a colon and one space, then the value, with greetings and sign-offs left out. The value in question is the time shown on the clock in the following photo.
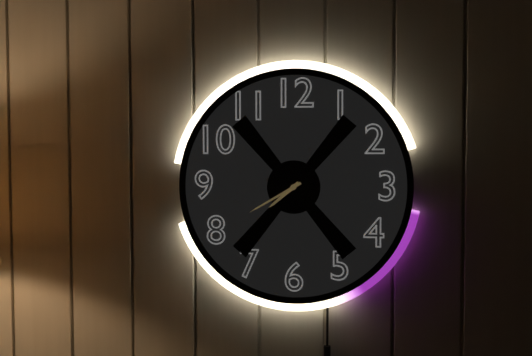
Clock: 7:40
